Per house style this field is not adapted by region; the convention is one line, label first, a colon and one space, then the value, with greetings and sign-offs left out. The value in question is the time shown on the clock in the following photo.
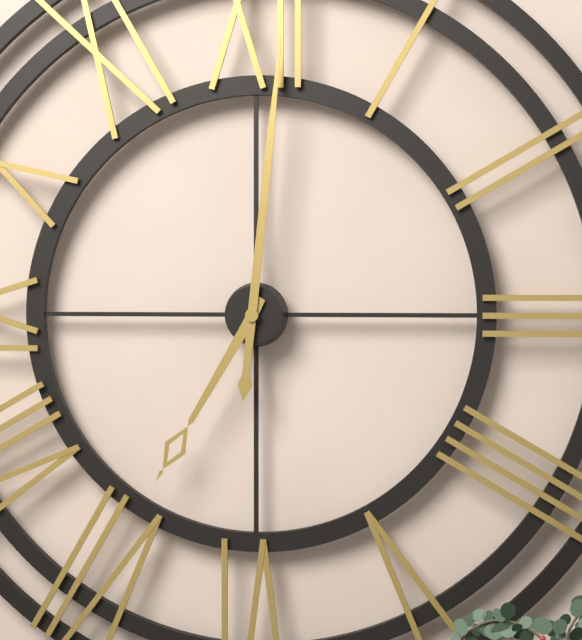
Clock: 7:01
